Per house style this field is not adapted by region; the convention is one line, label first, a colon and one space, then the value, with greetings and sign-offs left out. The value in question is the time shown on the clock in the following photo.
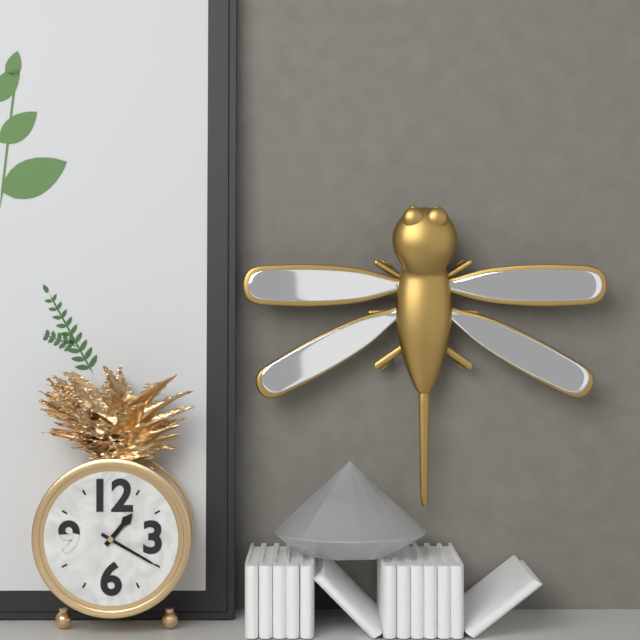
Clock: 1:20
